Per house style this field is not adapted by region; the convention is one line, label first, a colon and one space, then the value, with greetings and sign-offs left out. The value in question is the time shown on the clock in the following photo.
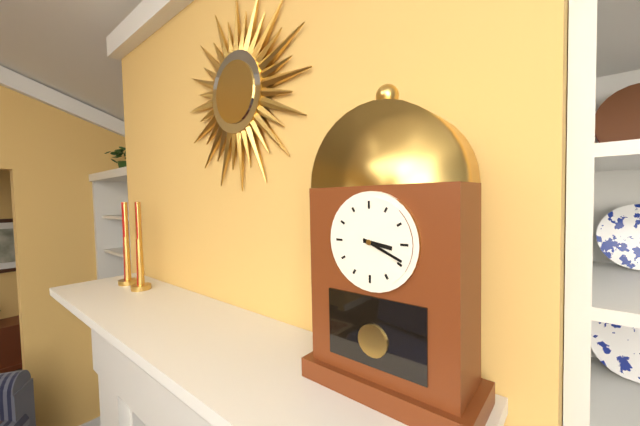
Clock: 3:19
